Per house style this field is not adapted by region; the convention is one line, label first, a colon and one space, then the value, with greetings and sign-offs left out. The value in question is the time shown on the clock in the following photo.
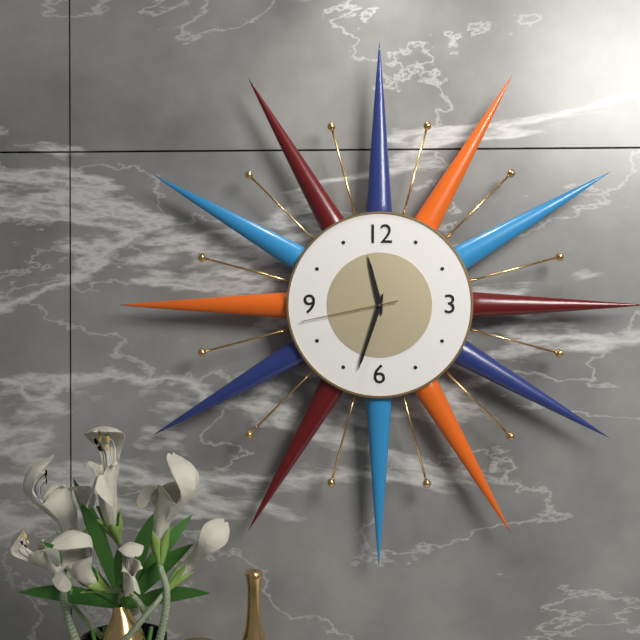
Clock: 11:33:43
